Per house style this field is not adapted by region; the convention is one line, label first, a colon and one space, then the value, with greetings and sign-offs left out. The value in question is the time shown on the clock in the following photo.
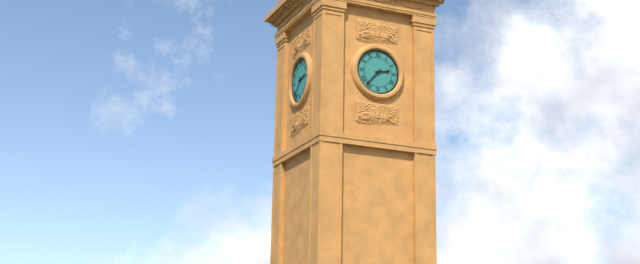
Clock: 2:37
